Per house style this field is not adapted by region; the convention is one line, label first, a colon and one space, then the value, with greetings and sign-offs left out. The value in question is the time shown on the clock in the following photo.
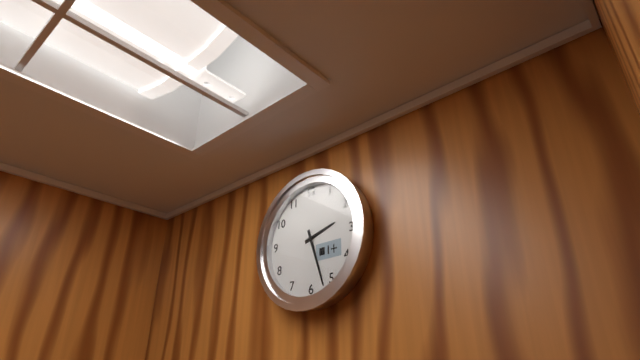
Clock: 2:27
